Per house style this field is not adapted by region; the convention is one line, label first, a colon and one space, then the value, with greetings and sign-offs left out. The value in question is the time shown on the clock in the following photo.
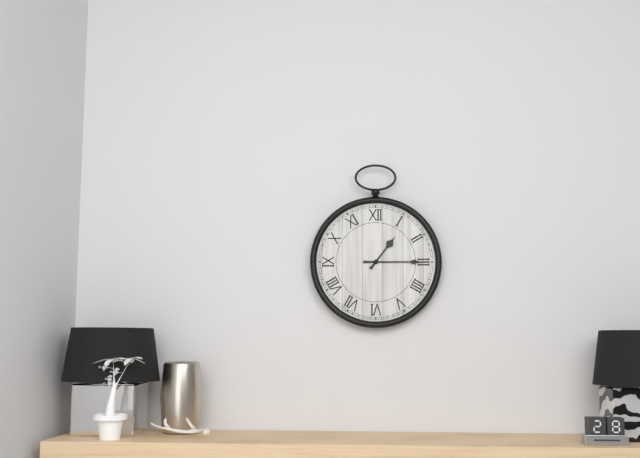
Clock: 1:15
